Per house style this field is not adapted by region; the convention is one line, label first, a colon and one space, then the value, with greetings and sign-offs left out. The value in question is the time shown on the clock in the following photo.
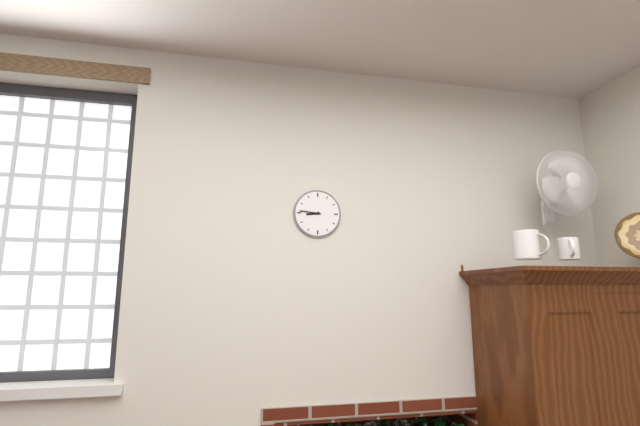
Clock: 8:46
